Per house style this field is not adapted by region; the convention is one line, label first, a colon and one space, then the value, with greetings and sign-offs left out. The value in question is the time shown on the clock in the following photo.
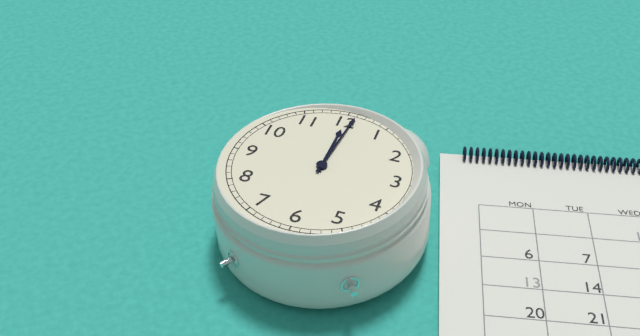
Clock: 12:01
